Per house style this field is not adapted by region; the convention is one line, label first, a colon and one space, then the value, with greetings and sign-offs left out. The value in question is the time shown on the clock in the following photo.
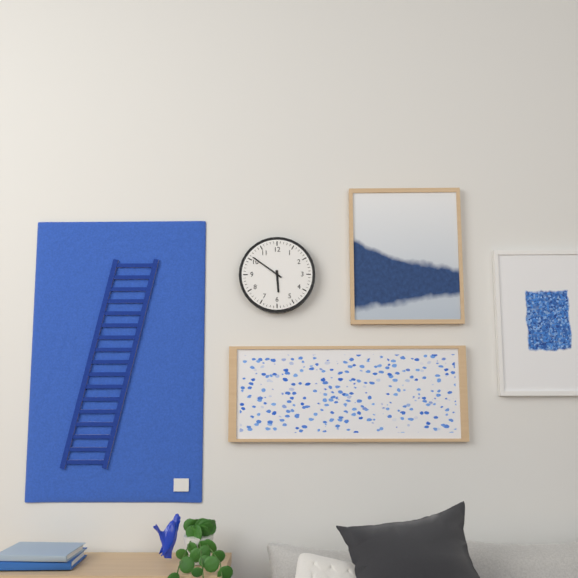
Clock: 5:51
